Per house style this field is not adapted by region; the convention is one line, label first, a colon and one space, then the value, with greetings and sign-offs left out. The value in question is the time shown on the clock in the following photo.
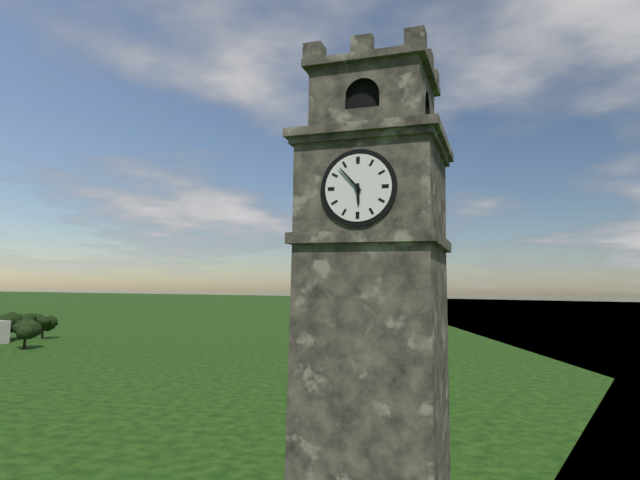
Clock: 5:53
